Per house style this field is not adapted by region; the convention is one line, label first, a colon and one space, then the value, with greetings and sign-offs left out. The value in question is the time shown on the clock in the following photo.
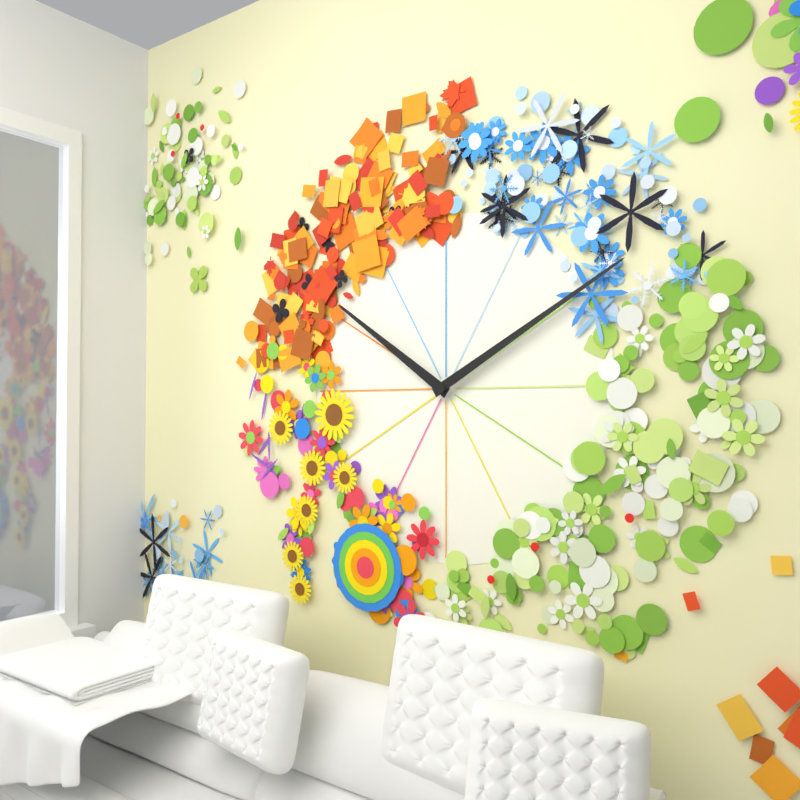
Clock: 10:10
